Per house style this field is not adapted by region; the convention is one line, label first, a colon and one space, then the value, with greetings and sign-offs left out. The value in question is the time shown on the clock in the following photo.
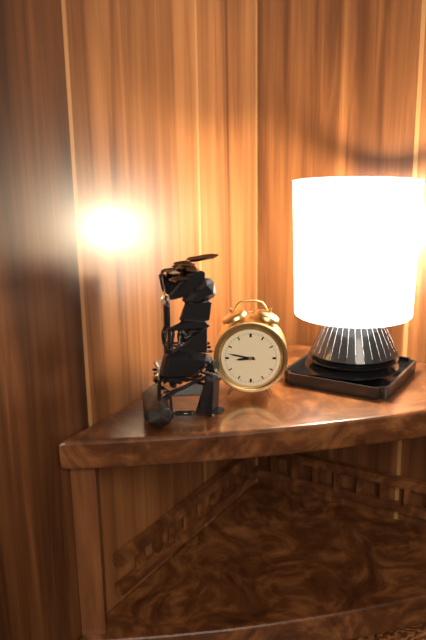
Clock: 8:47
